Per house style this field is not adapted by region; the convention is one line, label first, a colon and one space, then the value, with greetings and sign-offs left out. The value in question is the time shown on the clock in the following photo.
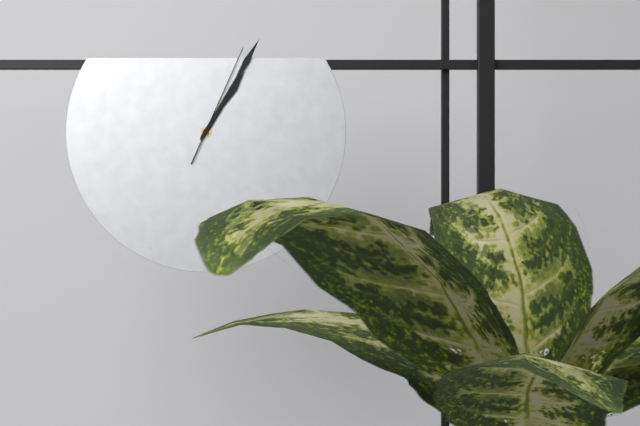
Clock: 1:05:04
